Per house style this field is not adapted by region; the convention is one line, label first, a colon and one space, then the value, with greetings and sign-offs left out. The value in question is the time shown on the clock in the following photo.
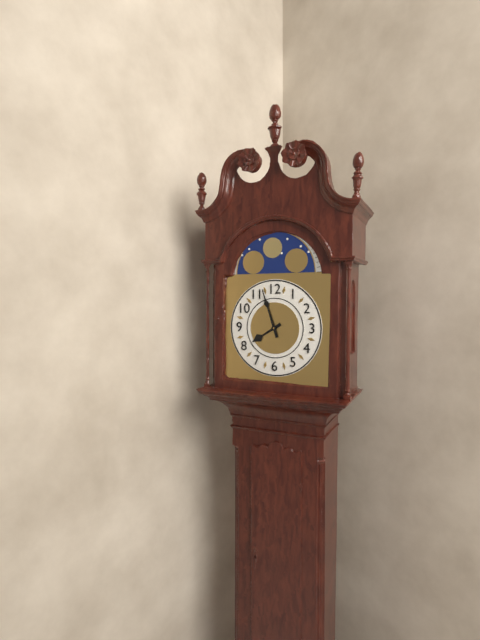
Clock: 7:57
